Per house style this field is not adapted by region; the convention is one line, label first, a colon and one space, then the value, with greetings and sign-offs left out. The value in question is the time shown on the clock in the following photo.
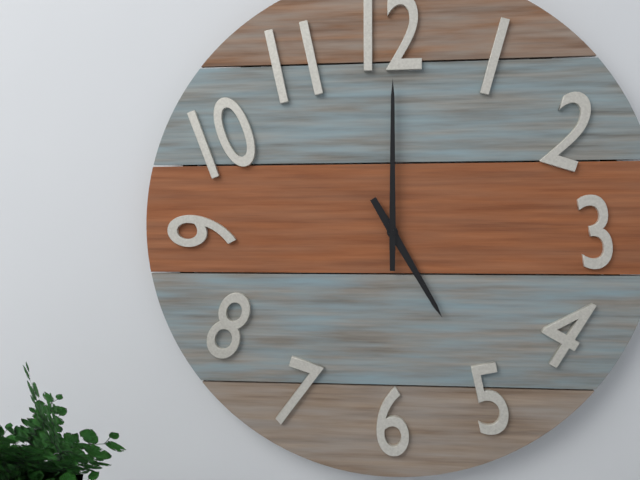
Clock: 5:00
